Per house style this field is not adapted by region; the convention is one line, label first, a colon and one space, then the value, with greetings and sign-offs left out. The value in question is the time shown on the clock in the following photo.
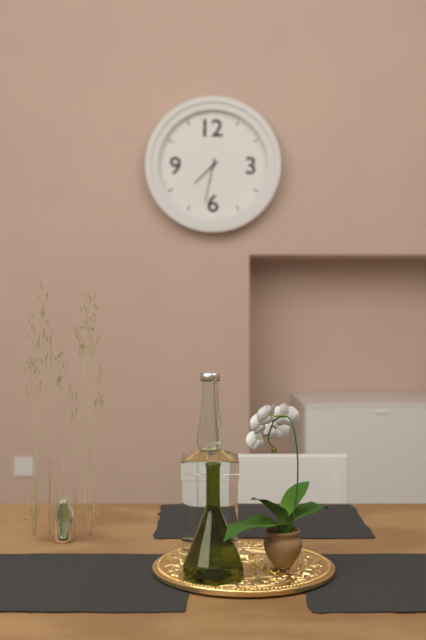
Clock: 7:32
